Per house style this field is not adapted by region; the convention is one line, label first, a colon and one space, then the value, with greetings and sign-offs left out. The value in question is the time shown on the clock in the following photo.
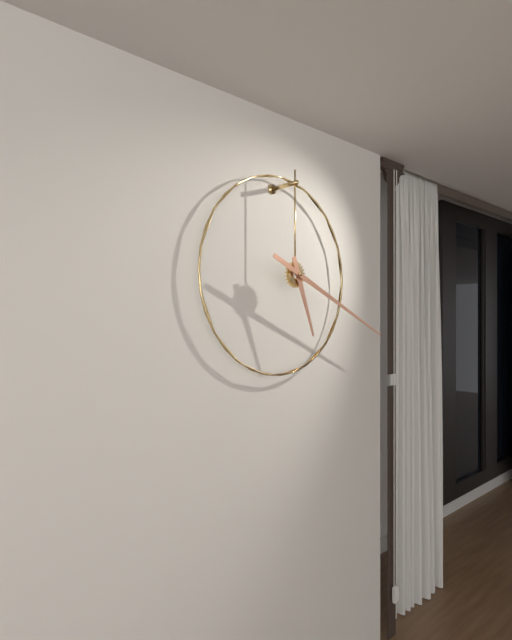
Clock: 5:19
